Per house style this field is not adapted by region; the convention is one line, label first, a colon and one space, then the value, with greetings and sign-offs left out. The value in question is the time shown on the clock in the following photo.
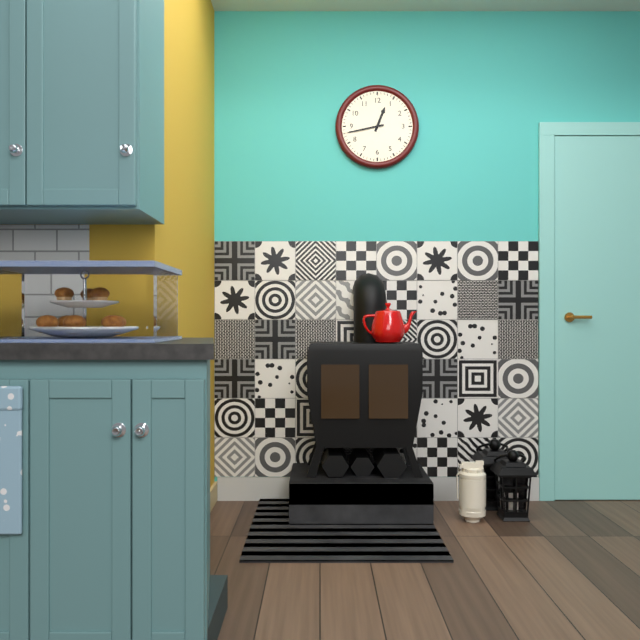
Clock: 12:43
